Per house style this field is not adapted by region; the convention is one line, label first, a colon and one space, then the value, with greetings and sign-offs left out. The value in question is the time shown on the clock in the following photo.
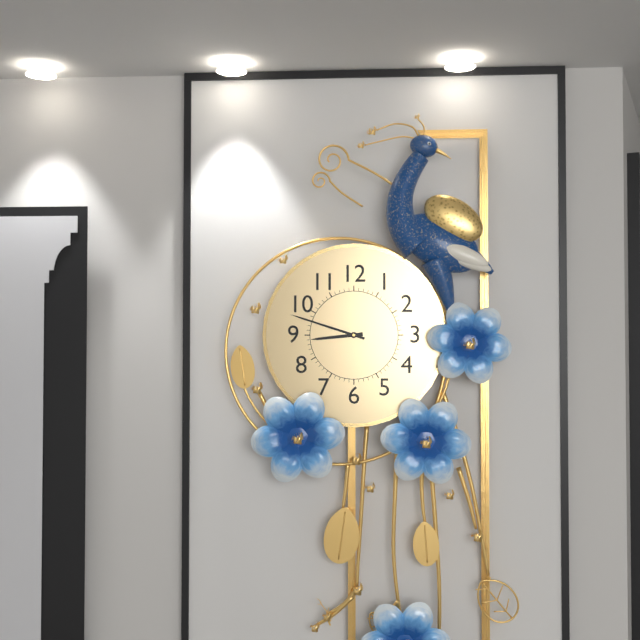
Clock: 8:48
